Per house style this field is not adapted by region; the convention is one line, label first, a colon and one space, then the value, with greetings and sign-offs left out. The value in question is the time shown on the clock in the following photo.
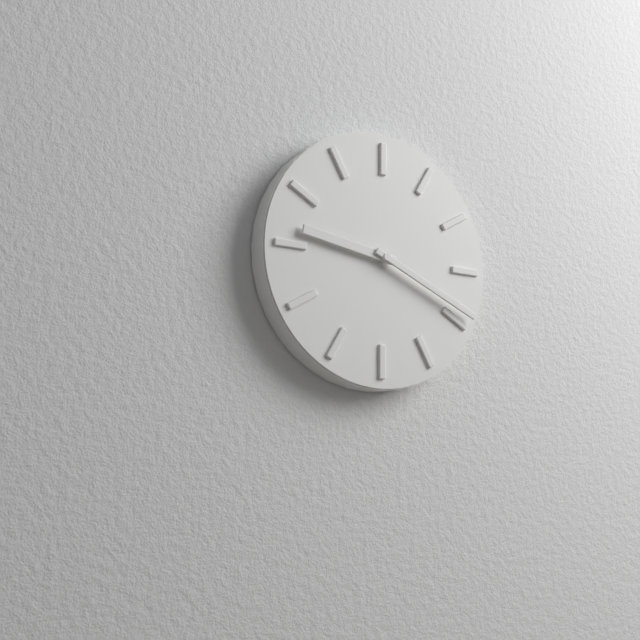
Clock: 9:19
